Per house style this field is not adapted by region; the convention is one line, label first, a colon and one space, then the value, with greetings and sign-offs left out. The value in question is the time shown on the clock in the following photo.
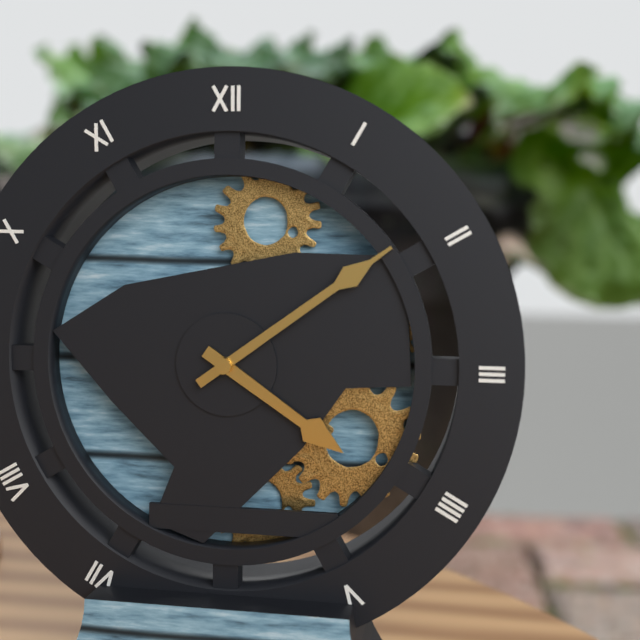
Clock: 4:09
